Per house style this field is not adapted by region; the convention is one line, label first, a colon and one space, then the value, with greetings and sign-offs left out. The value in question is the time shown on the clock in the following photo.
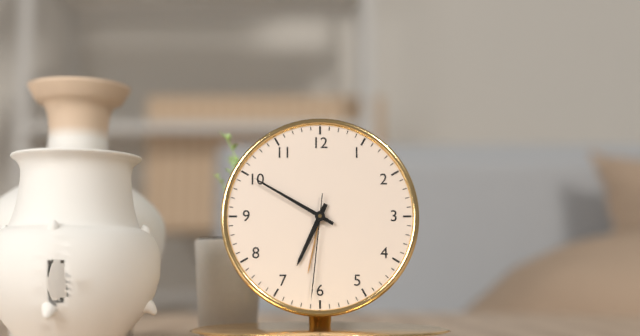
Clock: 6:50:31
